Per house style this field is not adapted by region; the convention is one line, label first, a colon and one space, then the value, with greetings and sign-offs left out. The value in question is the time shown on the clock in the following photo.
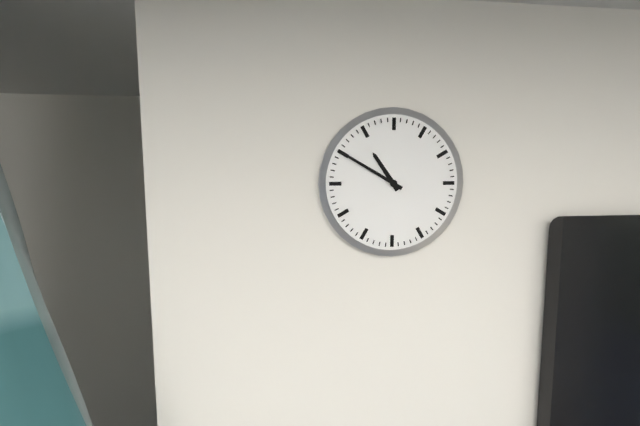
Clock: 10:50
